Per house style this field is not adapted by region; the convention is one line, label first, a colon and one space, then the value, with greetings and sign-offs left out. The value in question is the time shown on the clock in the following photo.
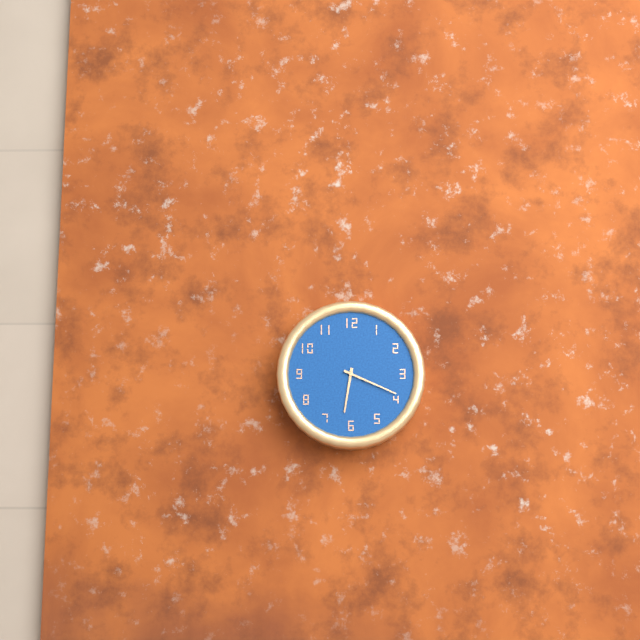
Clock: 6:19
